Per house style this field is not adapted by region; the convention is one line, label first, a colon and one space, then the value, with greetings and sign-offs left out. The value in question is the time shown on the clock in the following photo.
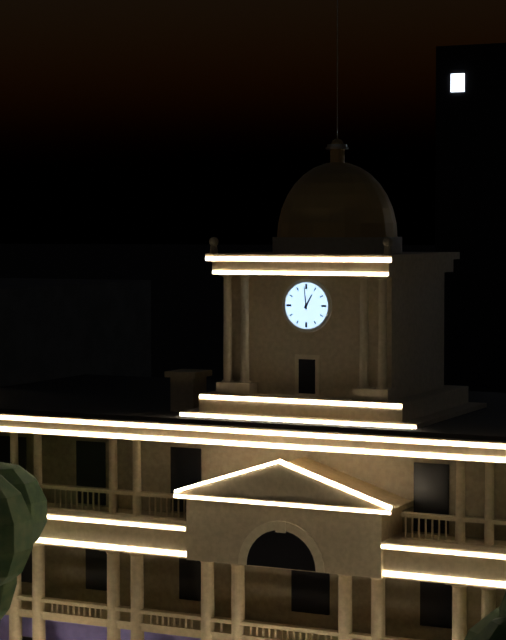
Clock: 12:59
